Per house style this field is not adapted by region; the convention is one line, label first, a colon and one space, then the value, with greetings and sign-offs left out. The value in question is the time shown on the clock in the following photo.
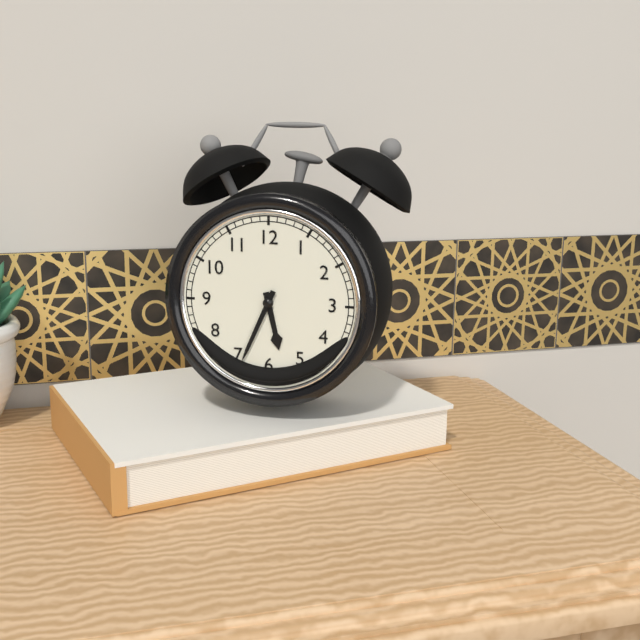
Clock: 5:34
